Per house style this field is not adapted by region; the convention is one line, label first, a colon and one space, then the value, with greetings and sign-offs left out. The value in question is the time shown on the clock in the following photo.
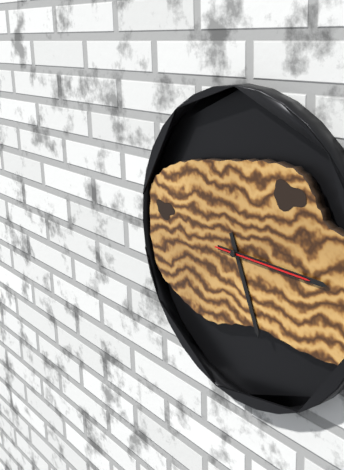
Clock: 5:15:15
